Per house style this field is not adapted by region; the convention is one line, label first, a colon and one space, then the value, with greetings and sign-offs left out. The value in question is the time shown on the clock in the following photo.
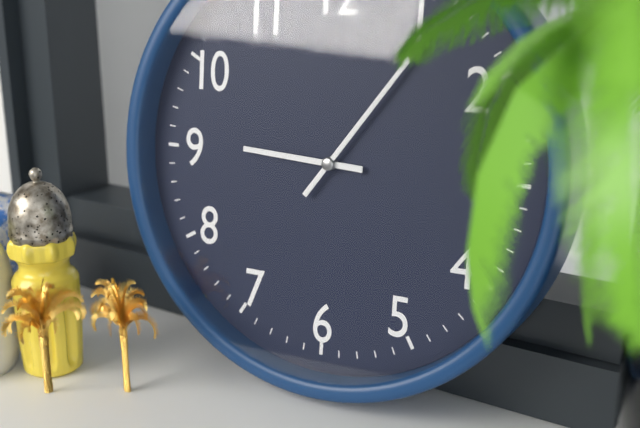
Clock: 9:06
